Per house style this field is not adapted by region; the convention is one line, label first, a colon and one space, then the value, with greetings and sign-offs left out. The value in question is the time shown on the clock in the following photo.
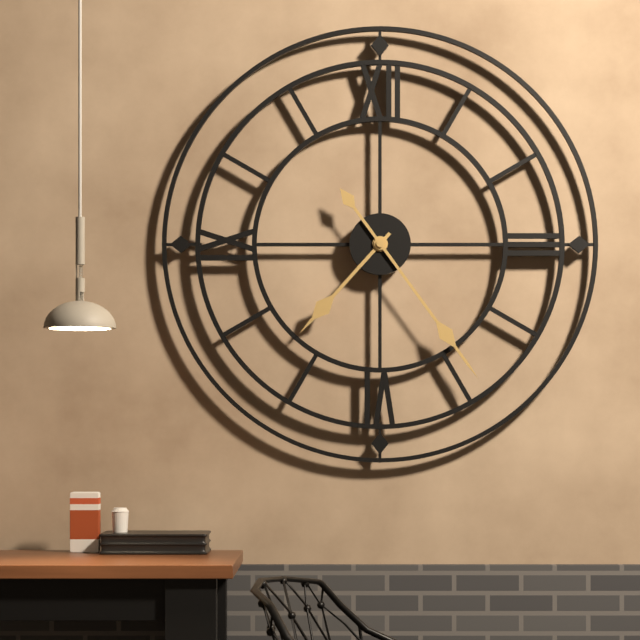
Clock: 7:24
